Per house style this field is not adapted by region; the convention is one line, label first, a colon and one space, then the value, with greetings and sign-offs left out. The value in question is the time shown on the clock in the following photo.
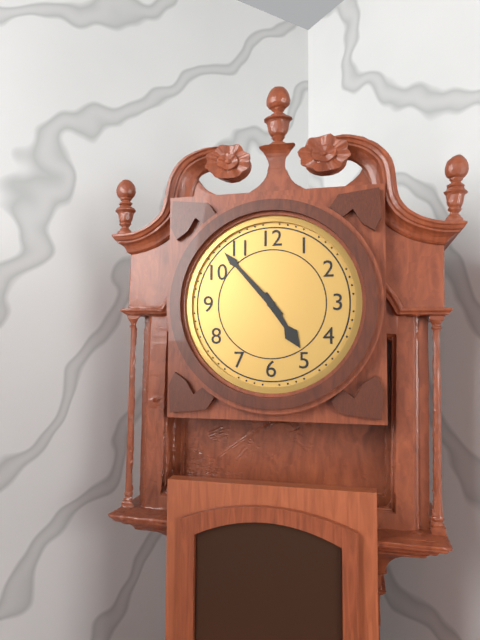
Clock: 4:53
